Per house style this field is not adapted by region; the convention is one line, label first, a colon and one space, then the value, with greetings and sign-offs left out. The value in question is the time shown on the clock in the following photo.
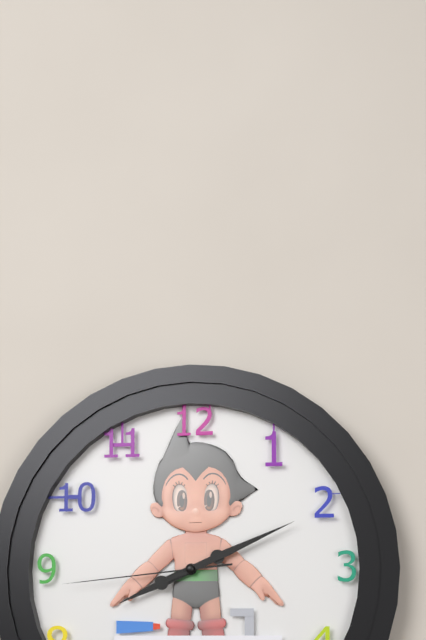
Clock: 8:11:44
